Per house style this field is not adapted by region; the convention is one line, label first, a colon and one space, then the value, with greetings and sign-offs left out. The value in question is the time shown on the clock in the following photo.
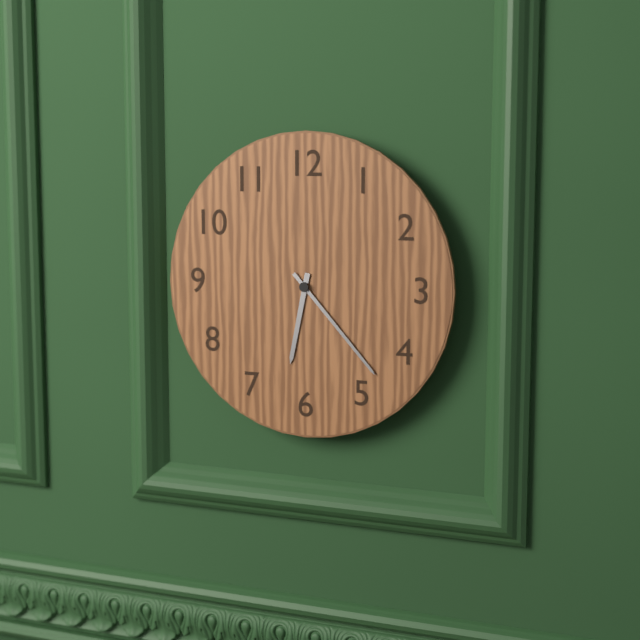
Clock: 6:23
